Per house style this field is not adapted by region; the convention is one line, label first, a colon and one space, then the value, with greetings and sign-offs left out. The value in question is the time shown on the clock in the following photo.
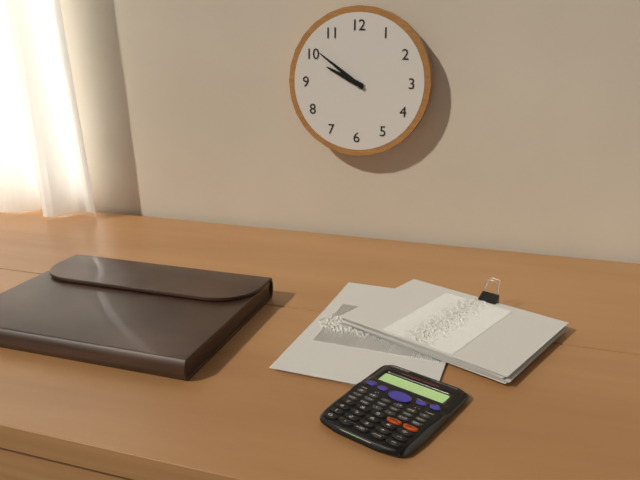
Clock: 9:51
